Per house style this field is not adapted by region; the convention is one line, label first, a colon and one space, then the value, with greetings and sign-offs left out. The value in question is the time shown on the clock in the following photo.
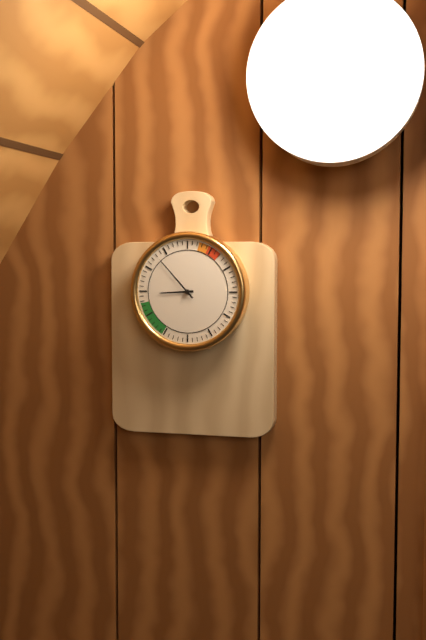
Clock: 8:53
